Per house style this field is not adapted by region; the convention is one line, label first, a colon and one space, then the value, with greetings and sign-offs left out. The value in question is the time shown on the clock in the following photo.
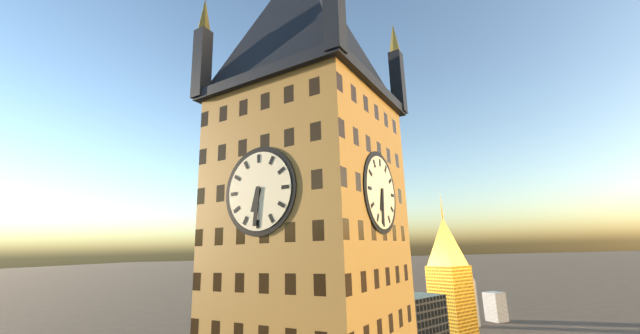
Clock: 6:31
